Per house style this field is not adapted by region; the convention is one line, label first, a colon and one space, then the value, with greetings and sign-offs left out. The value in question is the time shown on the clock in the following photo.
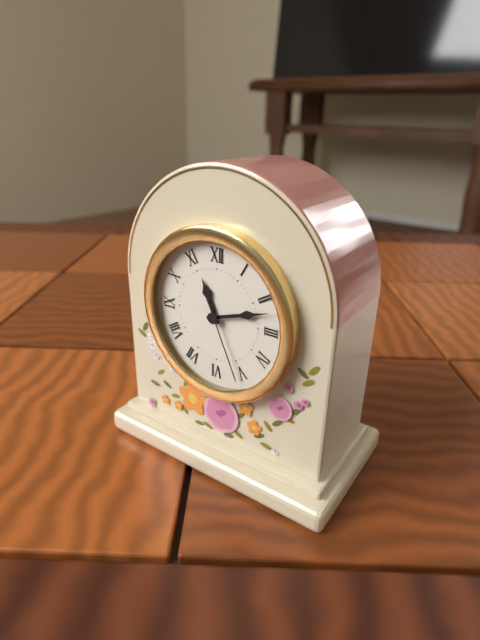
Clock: 11:12:26
